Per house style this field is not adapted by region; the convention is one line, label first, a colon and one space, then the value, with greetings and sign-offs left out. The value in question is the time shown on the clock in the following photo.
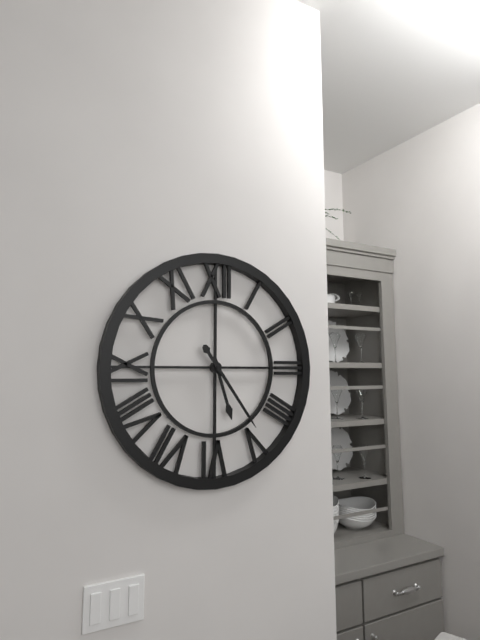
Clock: 5:24
